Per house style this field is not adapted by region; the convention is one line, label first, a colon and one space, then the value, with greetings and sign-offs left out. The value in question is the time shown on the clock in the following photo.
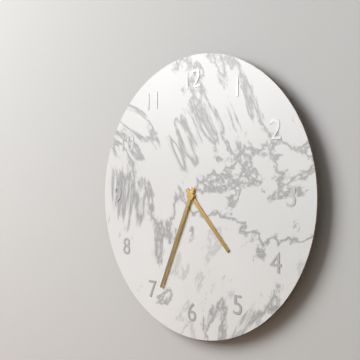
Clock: 4:34
